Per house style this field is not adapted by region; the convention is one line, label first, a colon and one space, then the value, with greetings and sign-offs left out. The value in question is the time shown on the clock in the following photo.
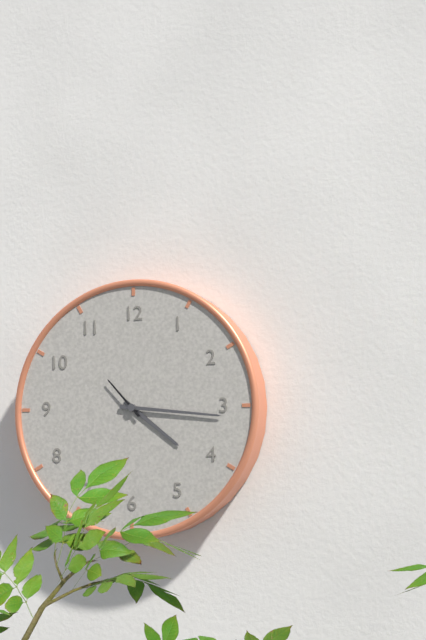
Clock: 4:16
